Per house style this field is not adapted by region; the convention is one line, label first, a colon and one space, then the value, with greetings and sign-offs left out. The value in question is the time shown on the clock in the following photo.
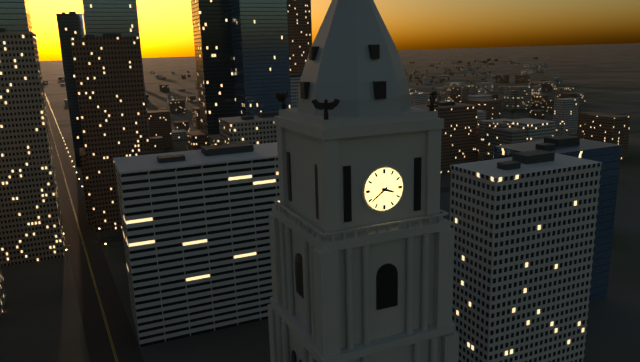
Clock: 3:39
